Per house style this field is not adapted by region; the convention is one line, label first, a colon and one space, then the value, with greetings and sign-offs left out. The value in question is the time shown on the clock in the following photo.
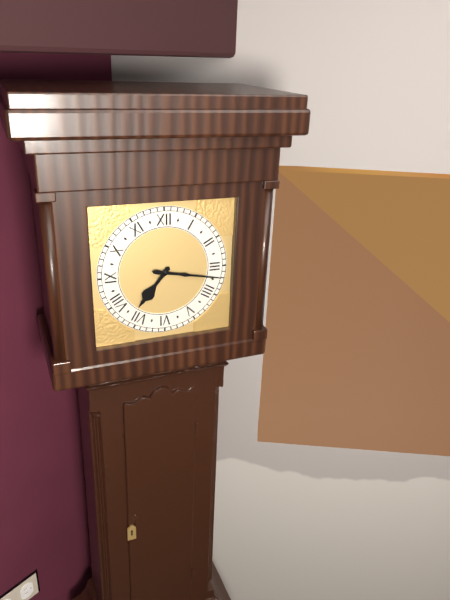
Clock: 7:17
